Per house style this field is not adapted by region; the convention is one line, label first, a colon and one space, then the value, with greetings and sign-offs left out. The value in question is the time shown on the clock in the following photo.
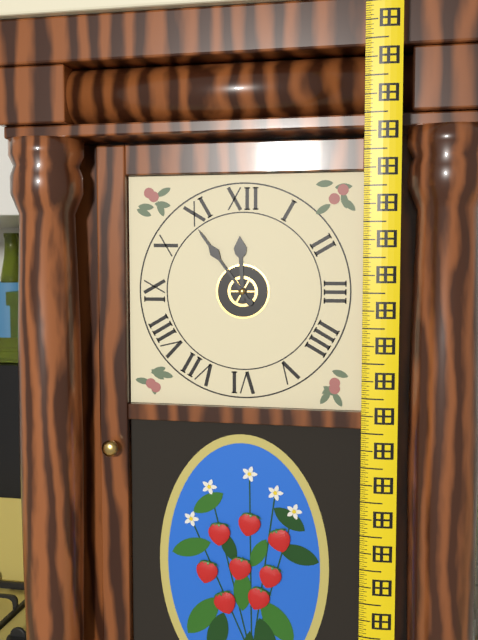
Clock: 11:54
